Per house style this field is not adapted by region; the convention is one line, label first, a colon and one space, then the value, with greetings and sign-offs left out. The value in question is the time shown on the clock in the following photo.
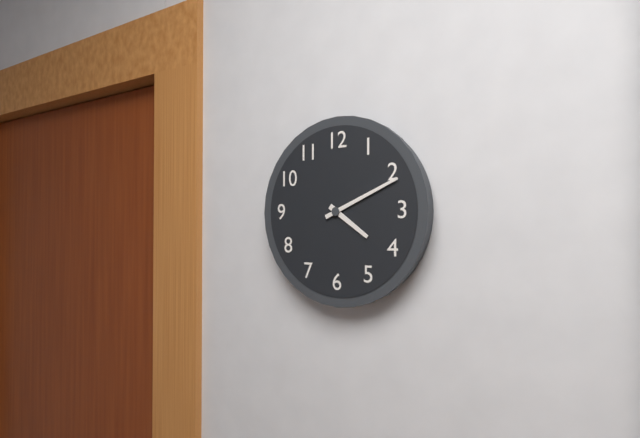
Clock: 4:11
